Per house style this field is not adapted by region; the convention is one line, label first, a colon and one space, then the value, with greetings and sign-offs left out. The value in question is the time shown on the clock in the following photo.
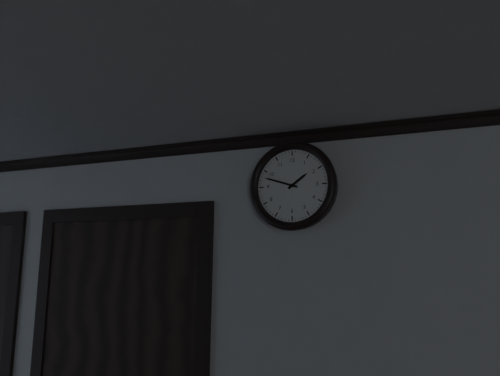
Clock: 1:48
